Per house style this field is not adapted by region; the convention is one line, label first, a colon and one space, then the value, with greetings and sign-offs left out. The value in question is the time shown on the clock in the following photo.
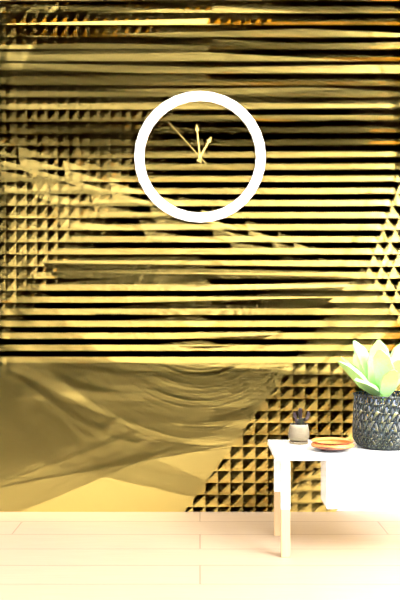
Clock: 12:59:53
